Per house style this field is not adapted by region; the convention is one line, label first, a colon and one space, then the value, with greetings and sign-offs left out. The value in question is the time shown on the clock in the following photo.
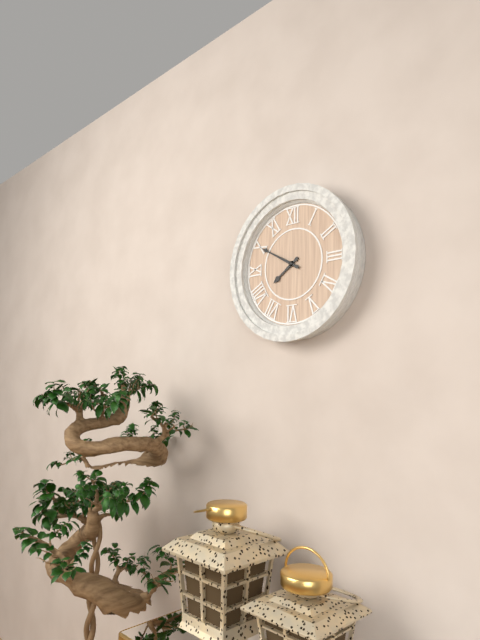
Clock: 7:50
